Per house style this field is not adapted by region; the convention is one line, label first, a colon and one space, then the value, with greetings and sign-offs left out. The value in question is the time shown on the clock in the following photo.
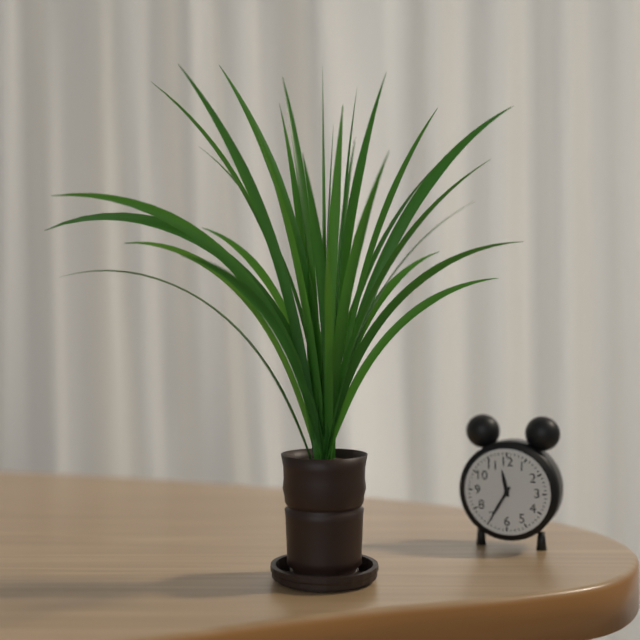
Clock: 11:35
